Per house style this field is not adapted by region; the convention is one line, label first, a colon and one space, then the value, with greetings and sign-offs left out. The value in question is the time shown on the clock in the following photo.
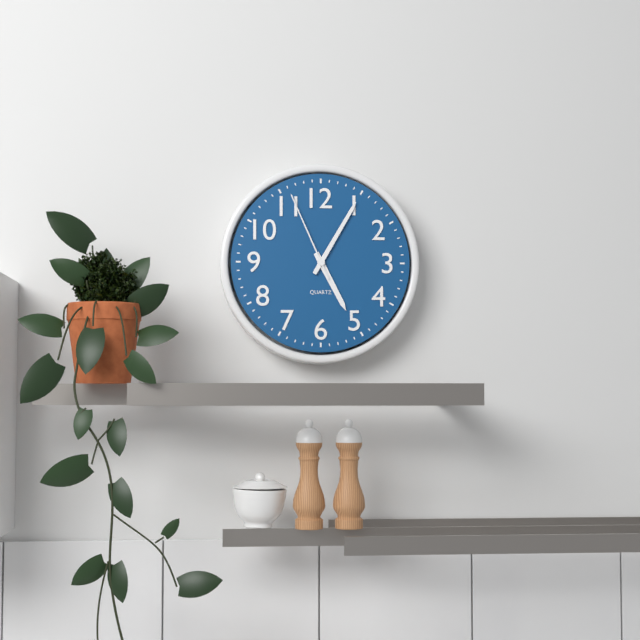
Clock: 5:05:56
